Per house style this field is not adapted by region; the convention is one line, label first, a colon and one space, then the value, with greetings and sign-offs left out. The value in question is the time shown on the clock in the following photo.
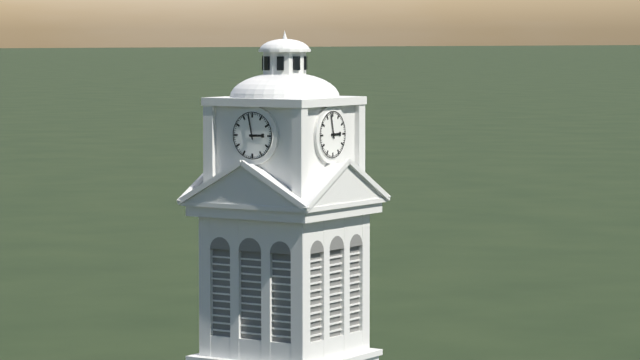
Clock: 2:58
